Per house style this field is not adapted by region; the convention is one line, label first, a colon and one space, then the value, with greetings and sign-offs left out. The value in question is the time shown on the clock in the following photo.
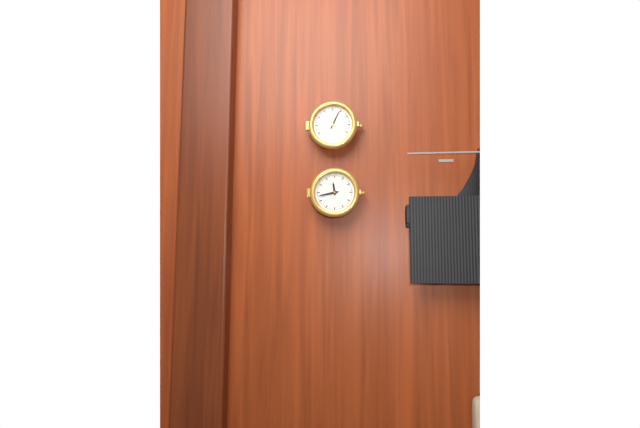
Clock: 11:43
